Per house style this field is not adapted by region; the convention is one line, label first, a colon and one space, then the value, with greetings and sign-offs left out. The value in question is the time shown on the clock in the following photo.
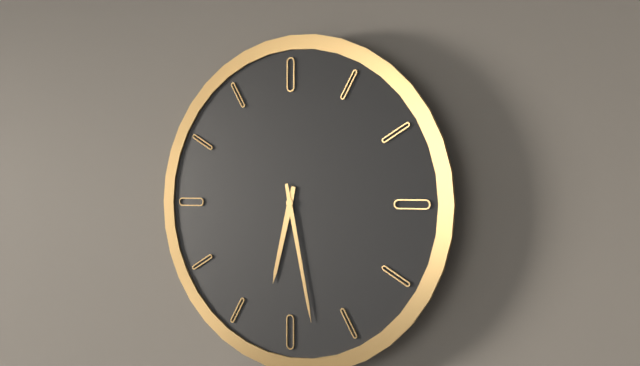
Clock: 6:28
